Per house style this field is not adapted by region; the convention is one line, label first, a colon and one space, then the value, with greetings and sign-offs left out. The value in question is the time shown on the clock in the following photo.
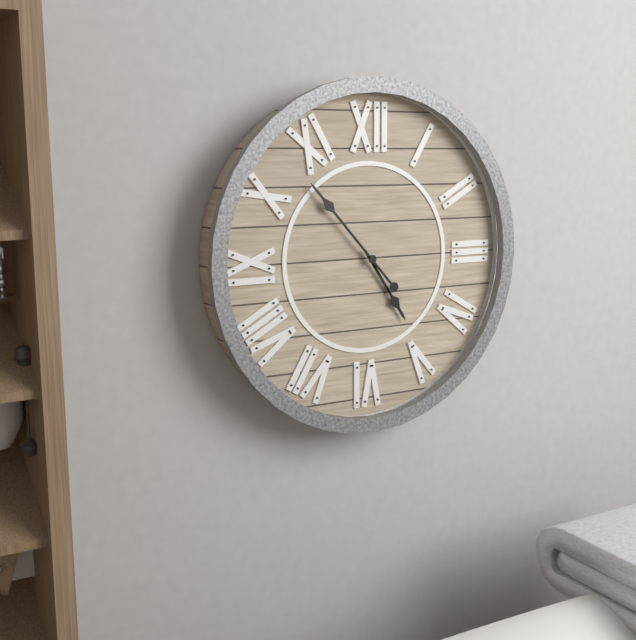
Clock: 4:53
